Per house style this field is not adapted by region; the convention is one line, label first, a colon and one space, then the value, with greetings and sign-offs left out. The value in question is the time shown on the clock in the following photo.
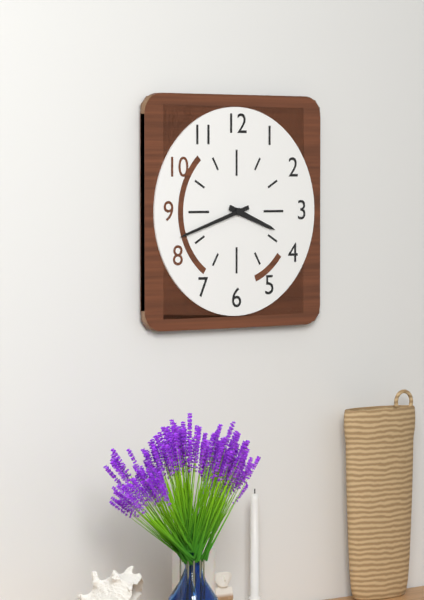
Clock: 3:42
